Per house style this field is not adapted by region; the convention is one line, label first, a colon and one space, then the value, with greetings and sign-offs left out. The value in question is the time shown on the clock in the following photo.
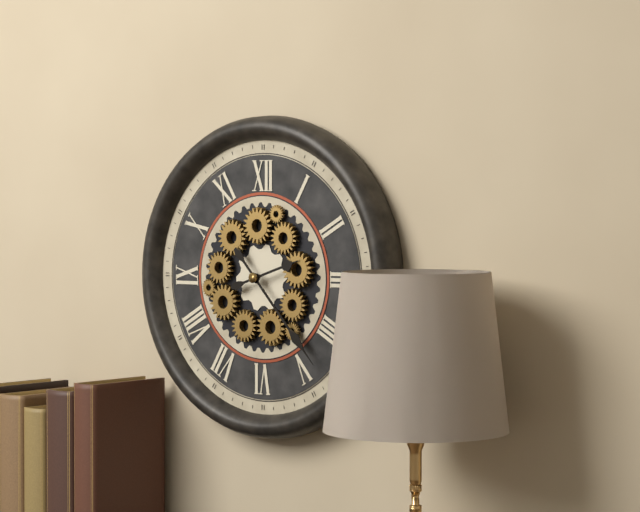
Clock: 2:23
